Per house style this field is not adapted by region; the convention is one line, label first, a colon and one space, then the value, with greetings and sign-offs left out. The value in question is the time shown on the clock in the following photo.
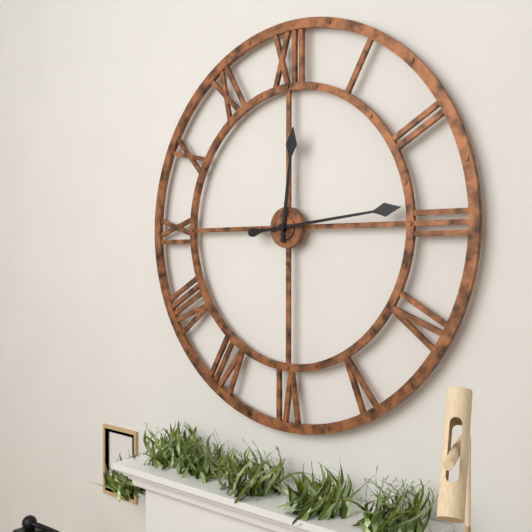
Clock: 12:14
